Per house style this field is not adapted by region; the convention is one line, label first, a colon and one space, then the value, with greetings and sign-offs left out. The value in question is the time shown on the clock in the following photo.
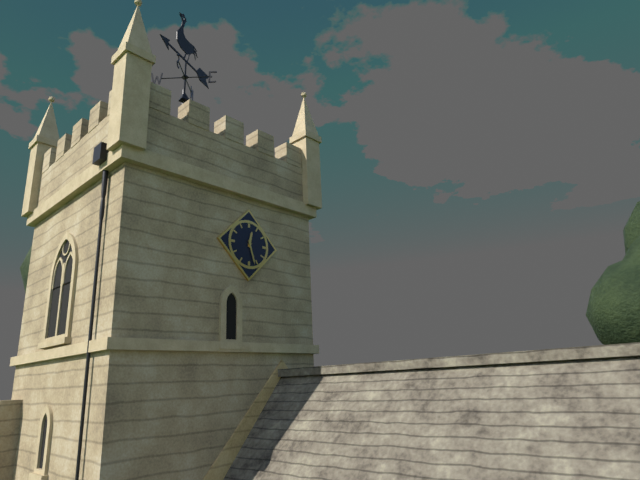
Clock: 12:27
